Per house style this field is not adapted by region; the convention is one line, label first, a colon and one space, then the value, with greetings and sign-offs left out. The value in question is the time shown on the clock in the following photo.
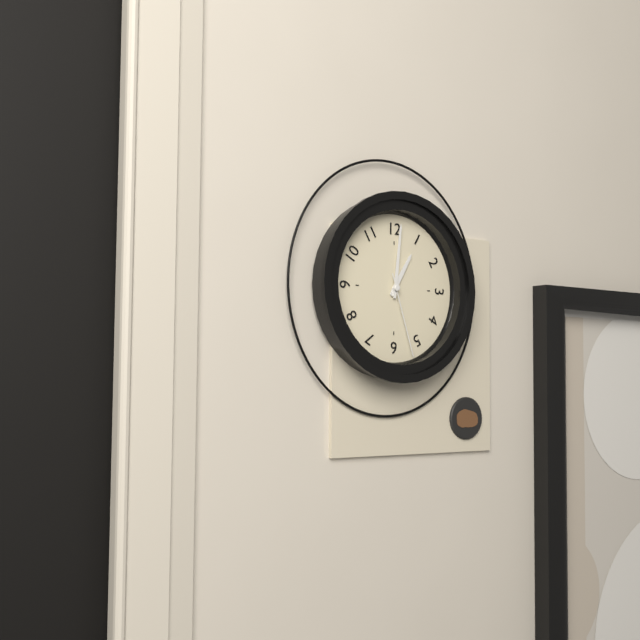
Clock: 1:01:27
